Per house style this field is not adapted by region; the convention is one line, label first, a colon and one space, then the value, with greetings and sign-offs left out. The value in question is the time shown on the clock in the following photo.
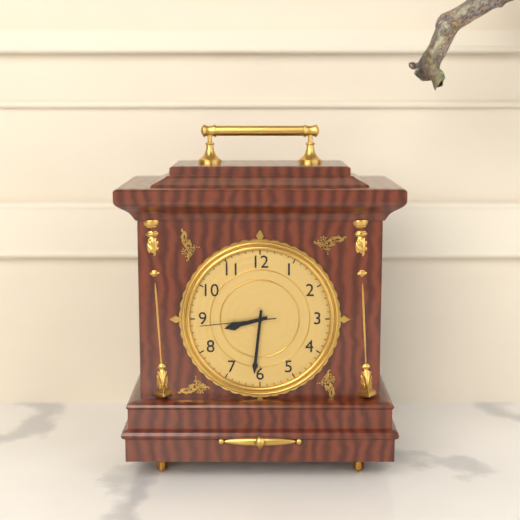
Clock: 8:31:44
